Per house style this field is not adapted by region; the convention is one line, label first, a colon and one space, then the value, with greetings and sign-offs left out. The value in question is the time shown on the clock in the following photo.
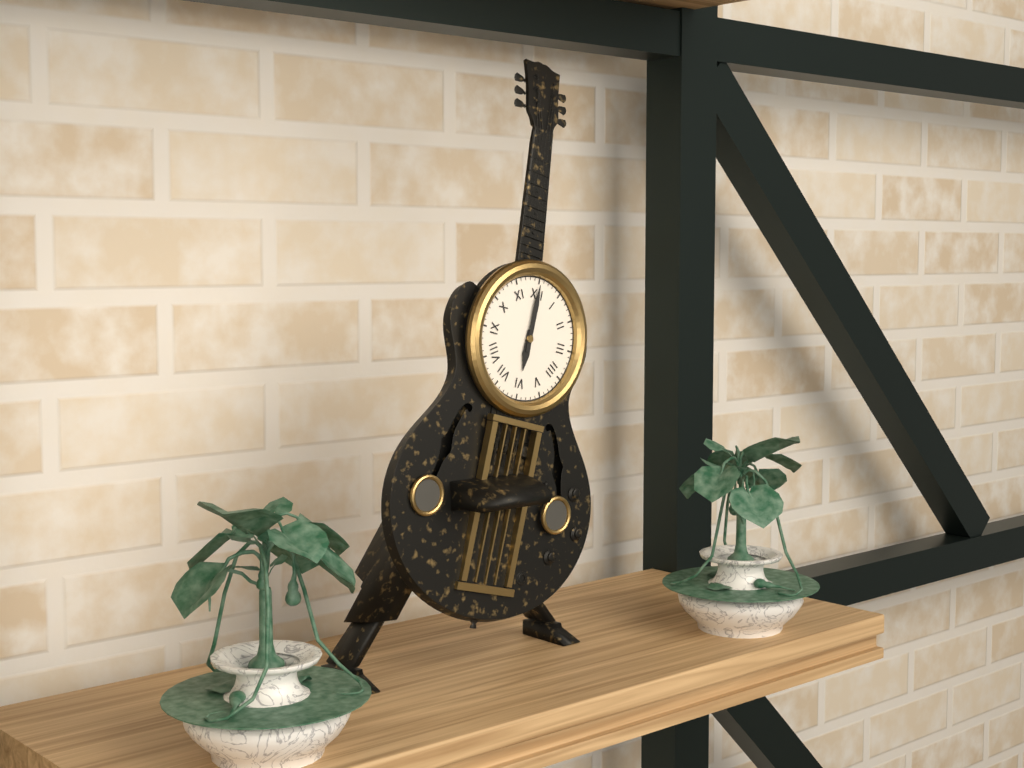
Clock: 6:00
